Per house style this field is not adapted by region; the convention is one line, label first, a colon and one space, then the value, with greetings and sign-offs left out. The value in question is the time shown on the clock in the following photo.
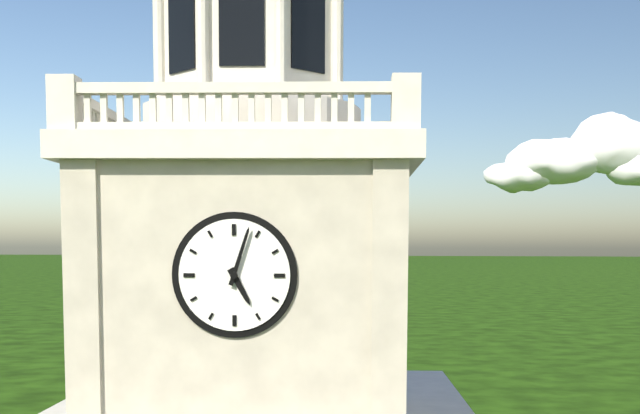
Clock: 5:03
